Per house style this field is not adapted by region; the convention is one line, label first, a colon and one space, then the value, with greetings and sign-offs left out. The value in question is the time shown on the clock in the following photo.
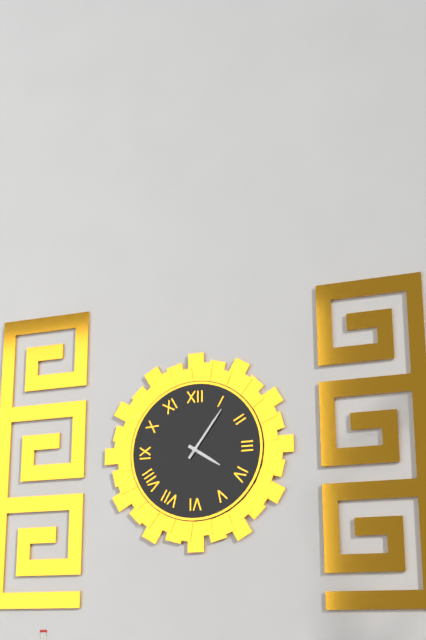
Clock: 4:06
